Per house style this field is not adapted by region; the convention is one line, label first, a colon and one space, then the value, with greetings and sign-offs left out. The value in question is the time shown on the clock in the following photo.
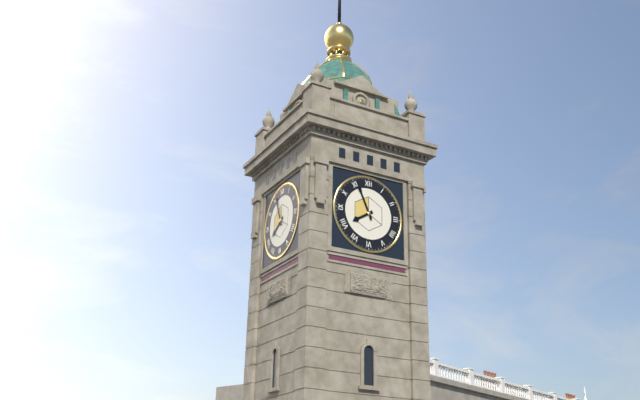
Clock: 7:56
